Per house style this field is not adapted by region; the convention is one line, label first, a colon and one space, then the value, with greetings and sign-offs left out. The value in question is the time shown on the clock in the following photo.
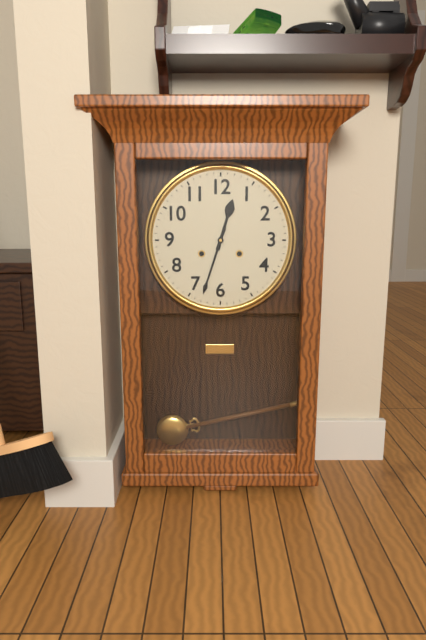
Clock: 12:33
